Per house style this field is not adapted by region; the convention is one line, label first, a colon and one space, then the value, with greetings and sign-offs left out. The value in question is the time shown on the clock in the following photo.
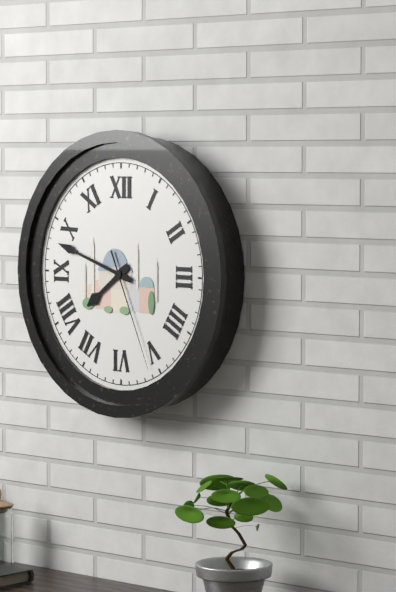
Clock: 7:48:26
